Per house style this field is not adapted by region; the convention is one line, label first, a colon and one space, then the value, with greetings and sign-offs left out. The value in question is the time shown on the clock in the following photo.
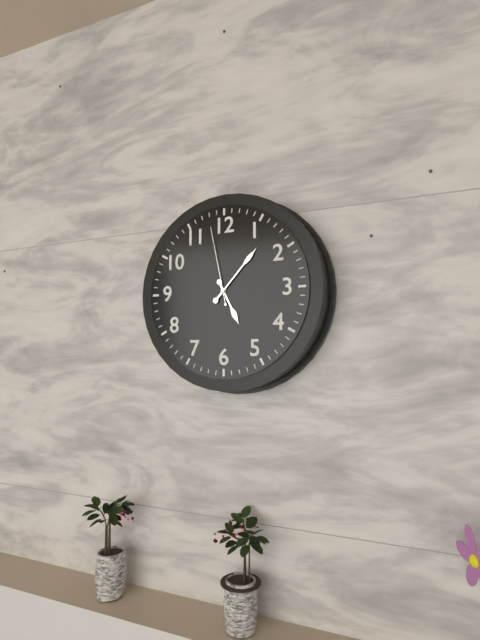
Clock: 5:07:58
